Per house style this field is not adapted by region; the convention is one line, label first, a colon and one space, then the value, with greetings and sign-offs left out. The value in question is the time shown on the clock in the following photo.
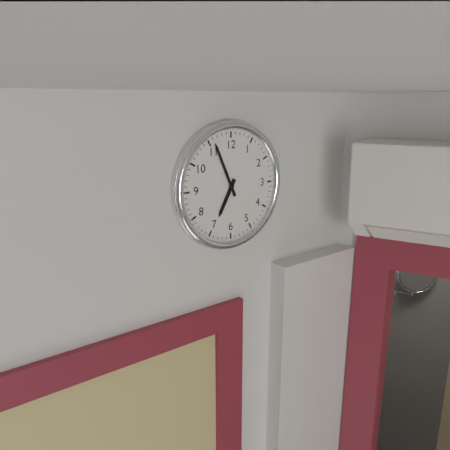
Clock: 6:56
